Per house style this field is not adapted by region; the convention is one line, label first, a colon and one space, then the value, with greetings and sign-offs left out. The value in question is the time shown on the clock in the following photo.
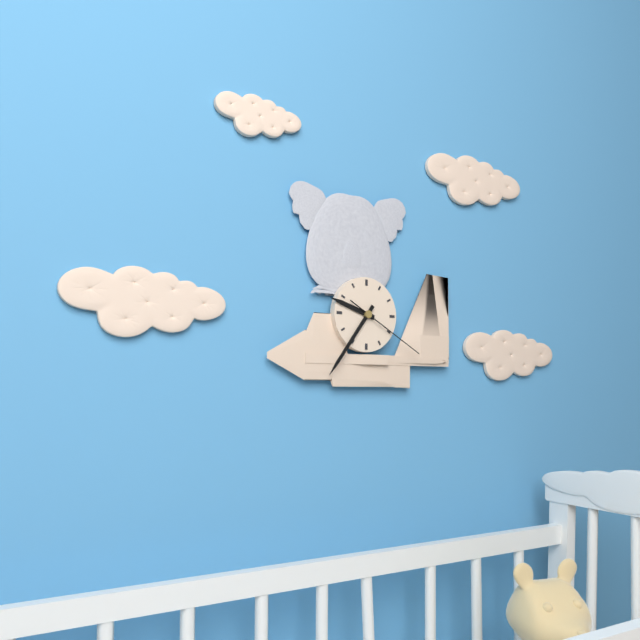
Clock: 9:36:20
